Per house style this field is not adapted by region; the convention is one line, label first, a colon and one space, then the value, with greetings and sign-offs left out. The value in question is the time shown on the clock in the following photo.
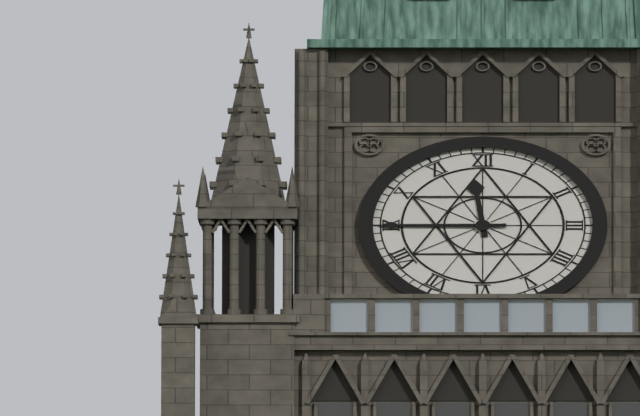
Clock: 11:45
